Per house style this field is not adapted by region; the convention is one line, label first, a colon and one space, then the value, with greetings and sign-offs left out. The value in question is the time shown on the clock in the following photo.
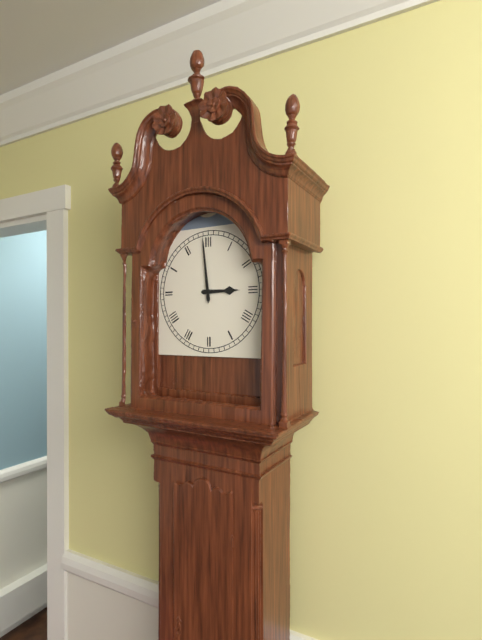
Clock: 2:59
